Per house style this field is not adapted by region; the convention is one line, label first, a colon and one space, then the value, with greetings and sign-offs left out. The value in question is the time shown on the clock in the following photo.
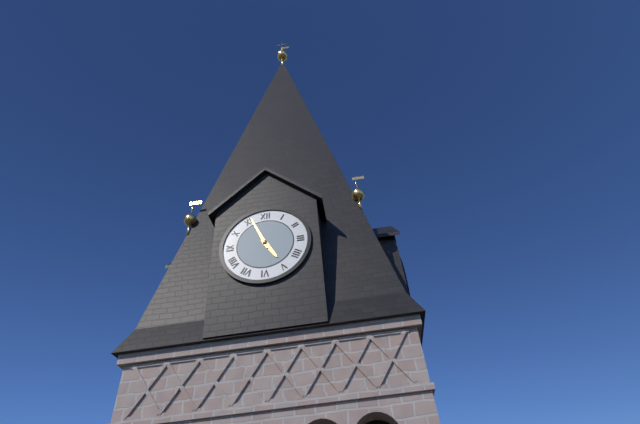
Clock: 4:56
